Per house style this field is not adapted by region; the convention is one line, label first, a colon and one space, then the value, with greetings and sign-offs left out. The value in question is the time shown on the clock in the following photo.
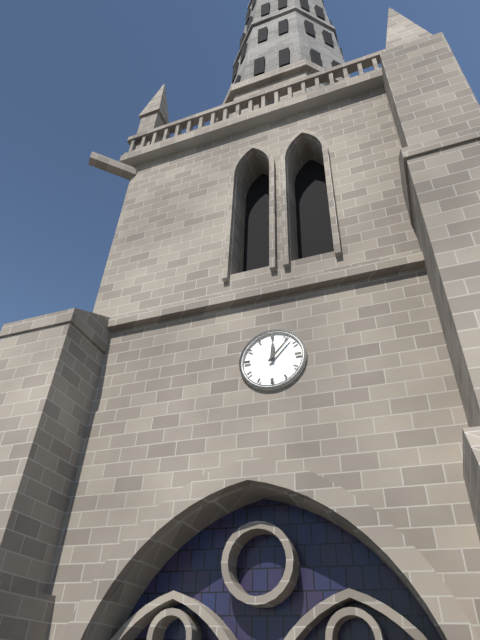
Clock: 12:07
